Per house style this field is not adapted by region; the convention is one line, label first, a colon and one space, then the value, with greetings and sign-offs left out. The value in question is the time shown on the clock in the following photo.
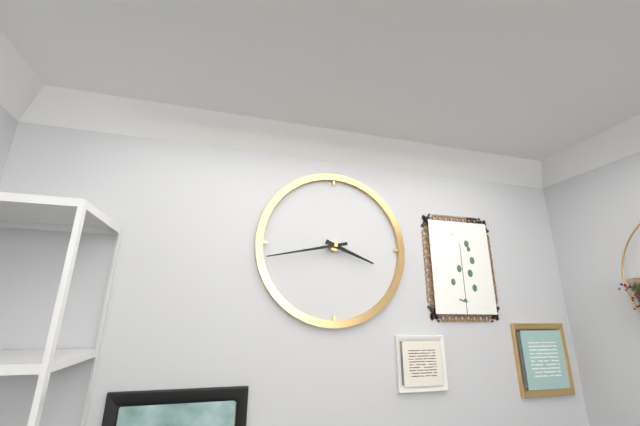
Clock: 3:43
